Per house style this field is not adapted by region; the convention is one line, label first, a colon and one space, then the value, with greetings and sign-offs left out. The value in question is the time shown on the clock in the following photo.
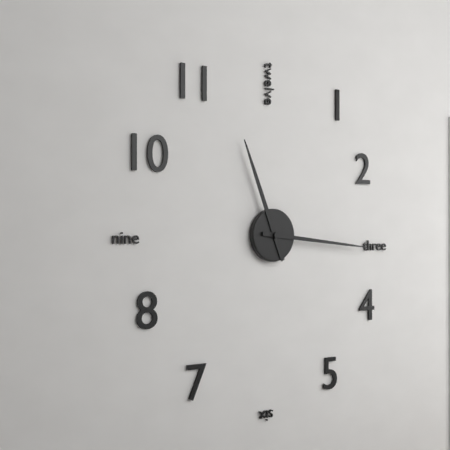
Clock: 11:16
